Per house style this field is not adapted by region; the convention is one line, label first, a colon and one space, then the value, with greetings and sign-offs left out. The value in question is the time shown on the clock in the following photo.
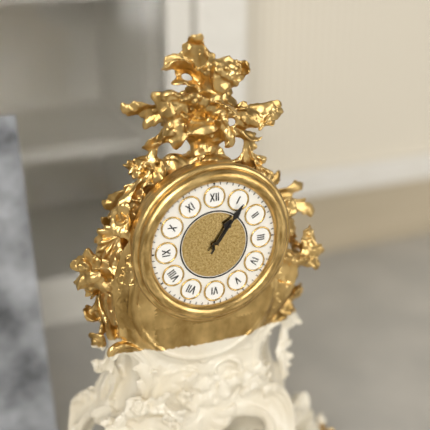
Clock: 1:06
